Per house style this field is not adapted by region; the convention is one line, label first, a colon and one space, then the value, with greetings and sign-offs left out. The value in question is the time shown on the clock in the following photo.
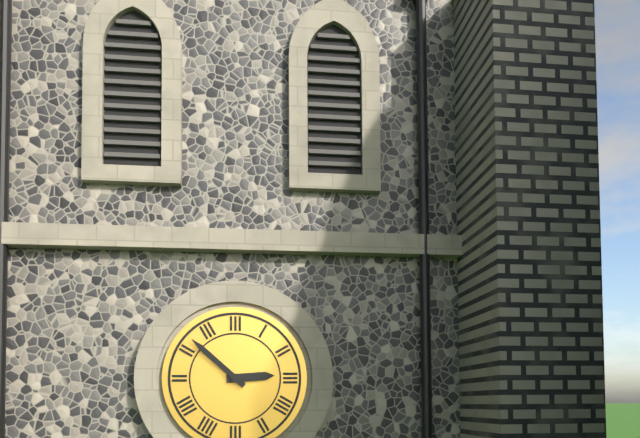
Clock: 2:52
